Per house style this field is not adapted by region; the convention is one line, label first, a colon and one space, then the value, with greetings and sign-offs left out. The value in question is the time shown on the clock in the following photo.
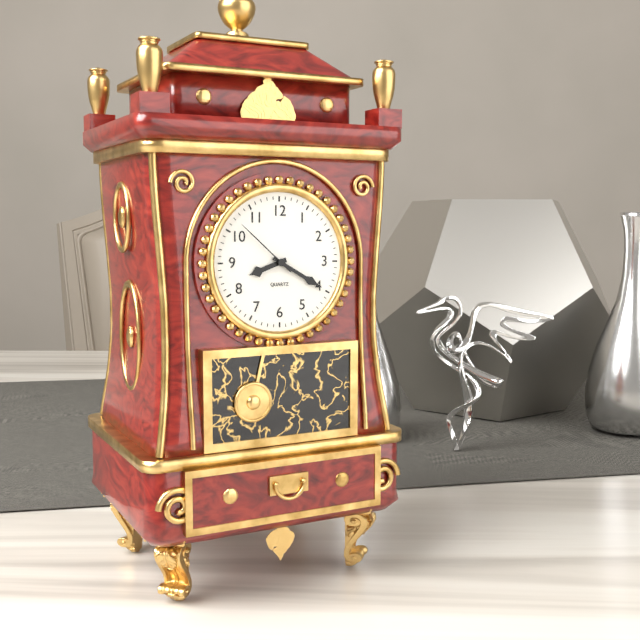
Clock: 8:20:52
